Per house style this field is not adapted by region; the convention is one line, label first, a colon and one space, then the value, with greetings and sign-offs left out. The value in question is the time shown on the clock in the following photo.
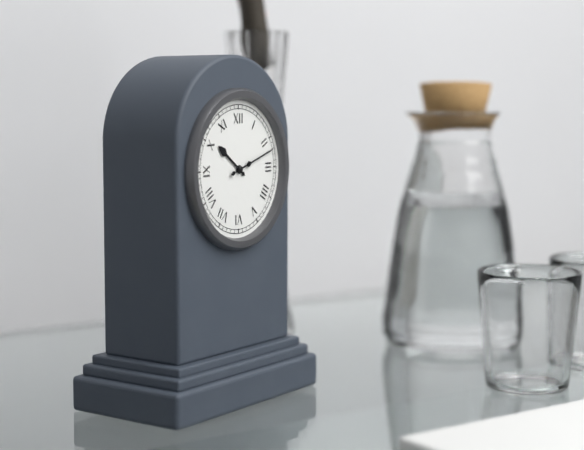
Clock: 10:12
